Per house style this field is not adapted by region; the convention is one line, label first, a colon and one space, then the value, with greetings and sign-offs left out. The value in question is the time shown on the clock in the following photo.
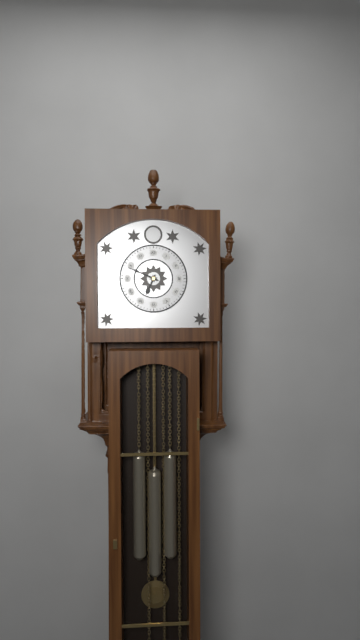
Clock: 6:49
